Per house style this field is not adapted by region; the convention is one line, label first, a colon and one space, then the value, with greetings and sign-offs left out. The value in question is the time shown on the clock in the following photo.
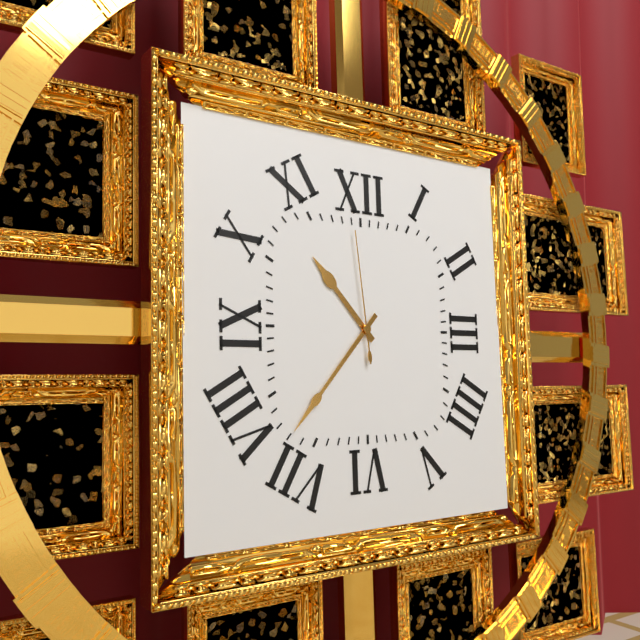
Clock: 10:37:59
